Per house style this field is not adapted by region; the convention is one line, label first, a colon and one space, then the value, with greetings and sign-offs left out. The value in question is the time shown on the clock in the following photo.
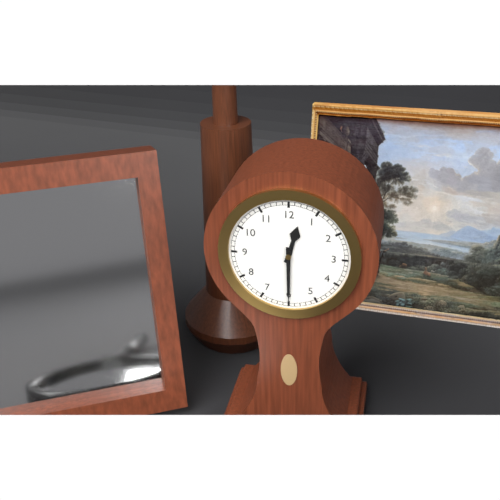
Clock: 12:30
